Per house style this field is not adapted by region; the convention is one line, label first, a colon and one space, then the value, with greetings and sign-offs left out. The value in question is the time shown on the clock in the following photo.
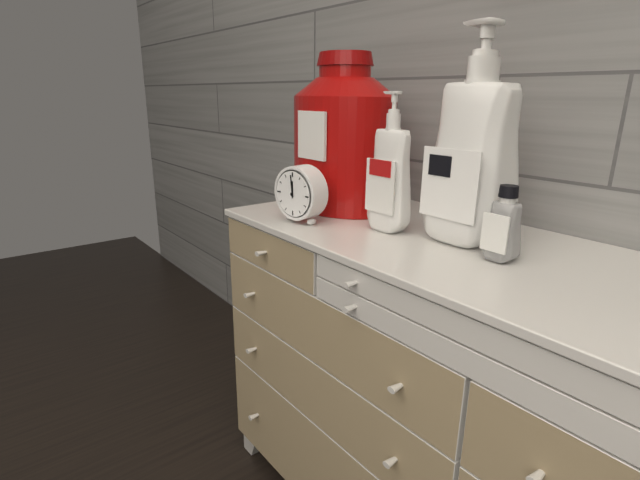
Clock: 11:59
